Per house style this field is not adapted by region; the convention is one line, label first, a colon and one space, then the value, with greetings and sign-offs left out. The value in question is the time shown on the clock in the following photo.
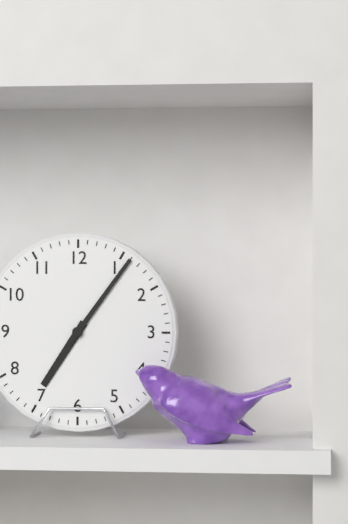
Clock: 7:06
